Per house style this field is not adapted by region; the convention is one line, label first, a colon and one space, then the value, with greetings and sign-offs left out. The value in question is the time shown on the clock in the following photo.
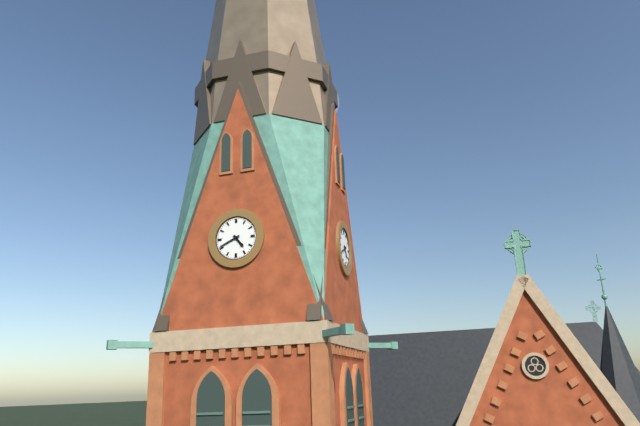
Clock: 4:41
